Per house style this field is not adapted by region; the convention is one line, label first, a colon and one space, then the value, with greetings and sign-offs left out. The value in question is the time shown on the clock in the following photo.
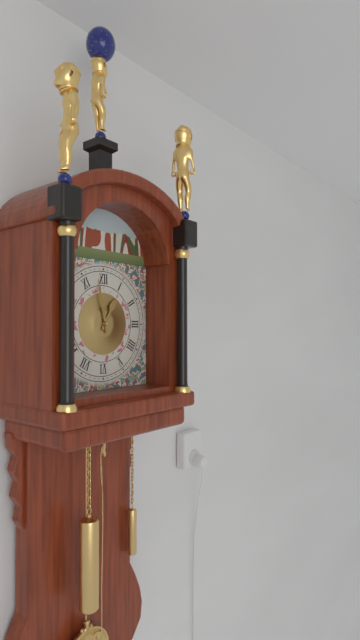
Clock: 12:58
